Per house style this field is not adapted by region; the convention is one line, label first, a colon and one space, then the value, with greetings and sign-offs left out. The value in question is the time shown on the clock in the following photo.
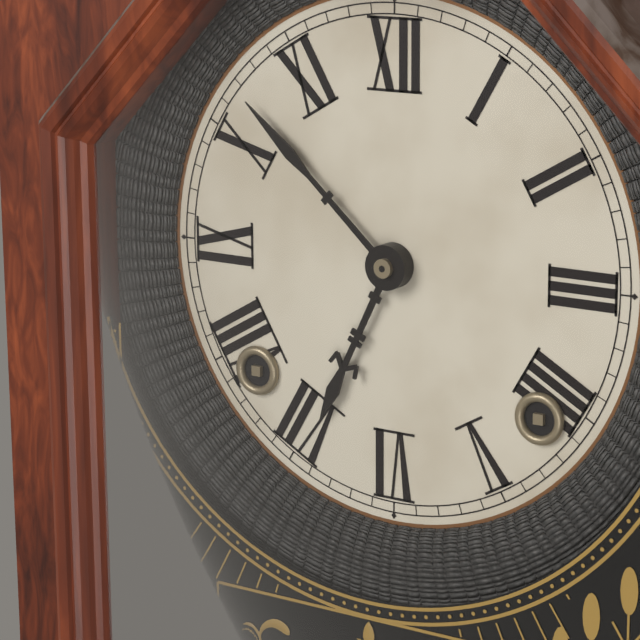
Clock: 6:52
